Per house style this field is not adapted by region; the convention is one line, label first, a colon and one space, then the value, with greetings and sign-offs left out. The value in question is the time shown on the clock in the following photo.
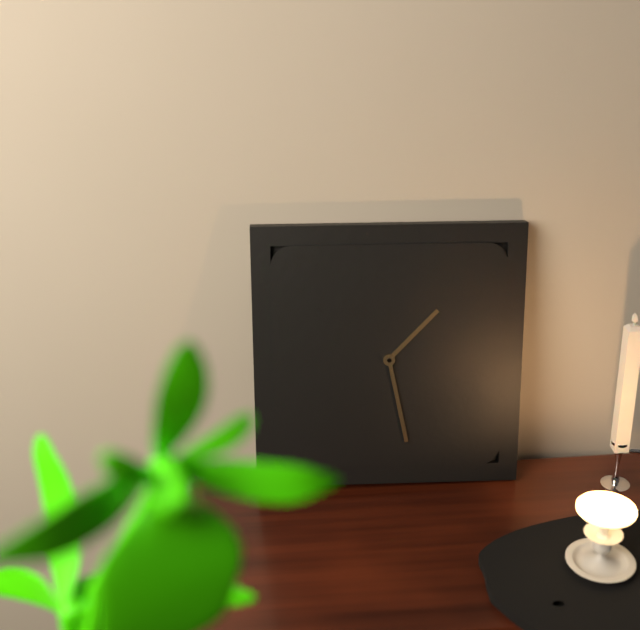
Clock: 1:28
